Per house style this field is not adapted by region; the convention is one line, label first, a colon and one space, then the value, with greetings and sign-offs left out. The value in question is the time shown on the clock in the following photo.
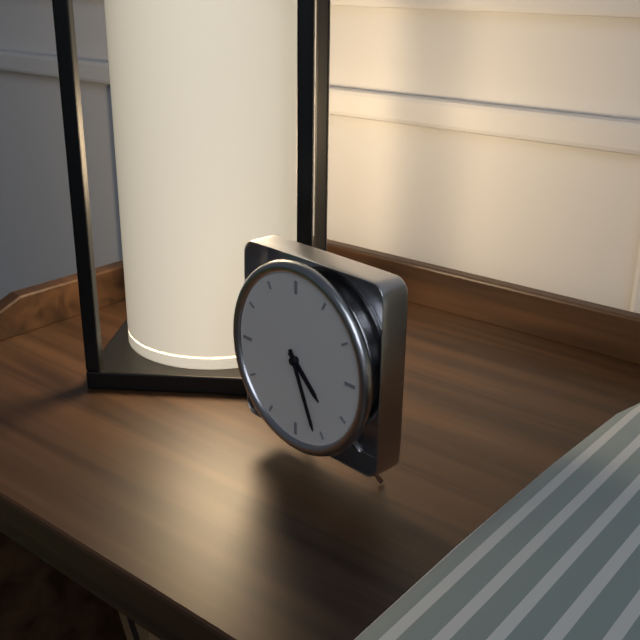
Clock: 4:26
